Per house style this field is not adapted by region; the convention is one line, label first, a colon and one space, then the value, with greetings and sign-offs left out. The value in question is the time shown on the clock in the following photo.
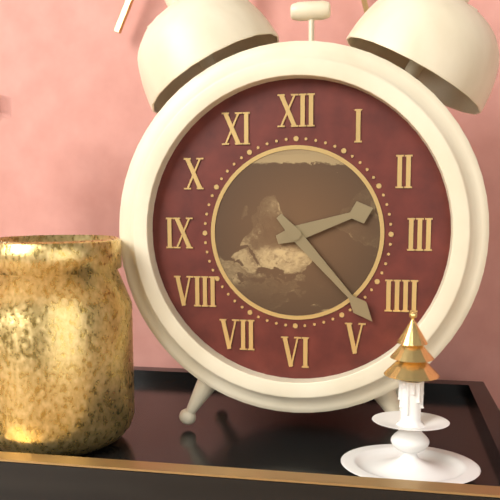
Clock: 2:23
